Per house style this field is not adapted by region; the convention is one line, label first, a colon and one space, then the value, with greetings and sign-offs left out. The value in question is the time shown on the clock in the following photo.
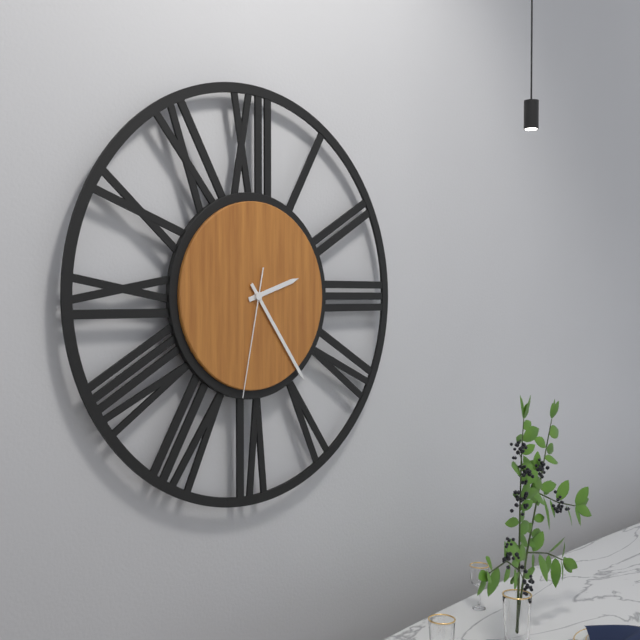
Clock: 2:24:32
